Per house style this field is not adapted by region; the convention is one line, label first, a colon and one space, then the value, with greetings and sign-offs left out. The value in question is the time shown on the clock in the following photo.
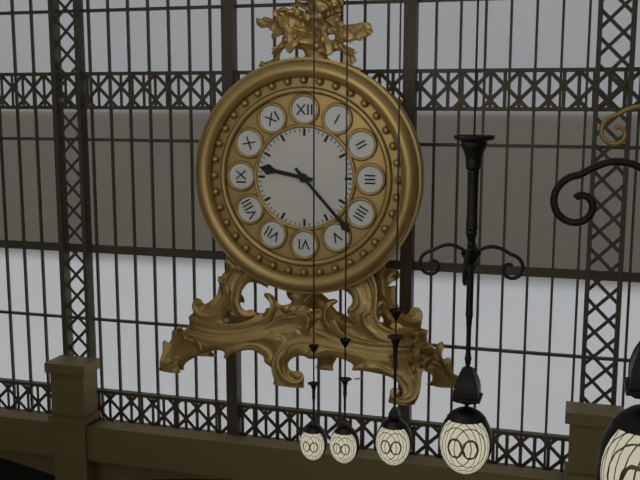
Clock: 9:23
